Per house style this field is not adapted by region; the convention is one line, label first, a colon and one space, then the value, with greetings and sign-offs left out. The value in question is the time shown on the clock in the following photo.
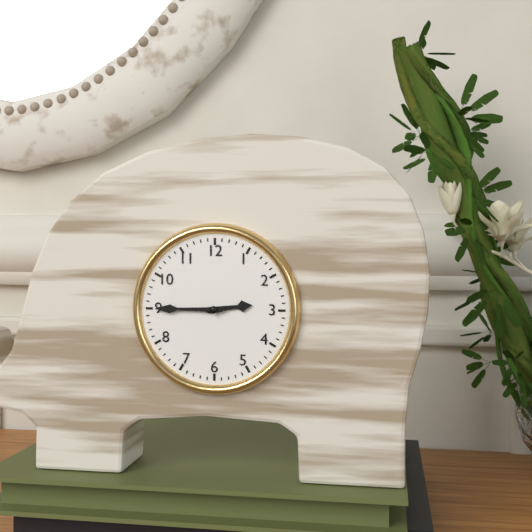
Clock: 2:45
